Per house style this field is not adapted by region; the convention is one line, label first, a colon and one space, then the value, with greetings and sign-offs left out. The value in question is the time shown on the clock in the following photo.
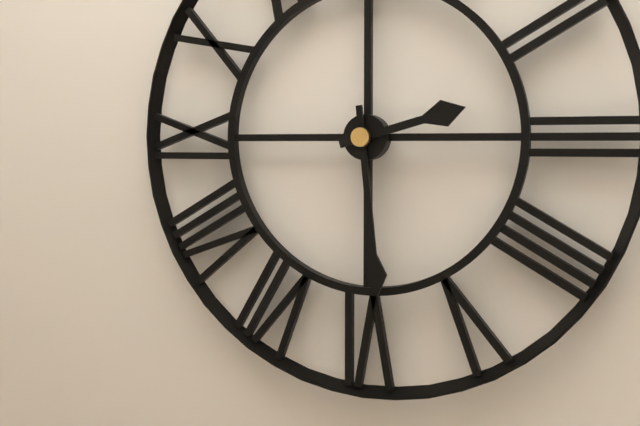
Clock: 2:29
